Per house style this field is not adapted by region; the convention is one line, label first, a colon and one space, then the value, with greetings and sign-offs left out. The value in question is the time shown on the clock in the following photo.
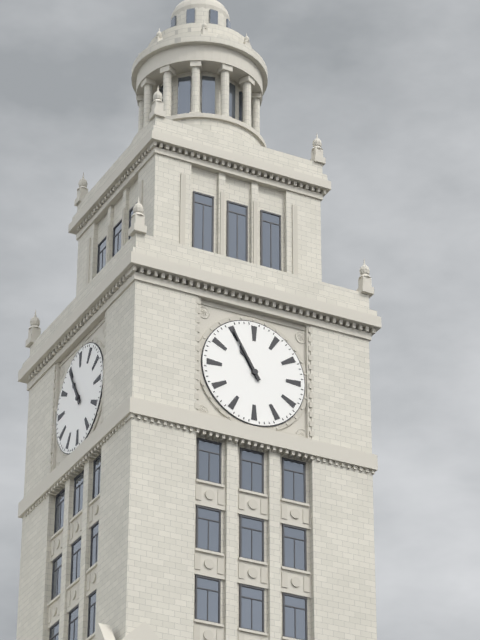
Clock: 10:55
